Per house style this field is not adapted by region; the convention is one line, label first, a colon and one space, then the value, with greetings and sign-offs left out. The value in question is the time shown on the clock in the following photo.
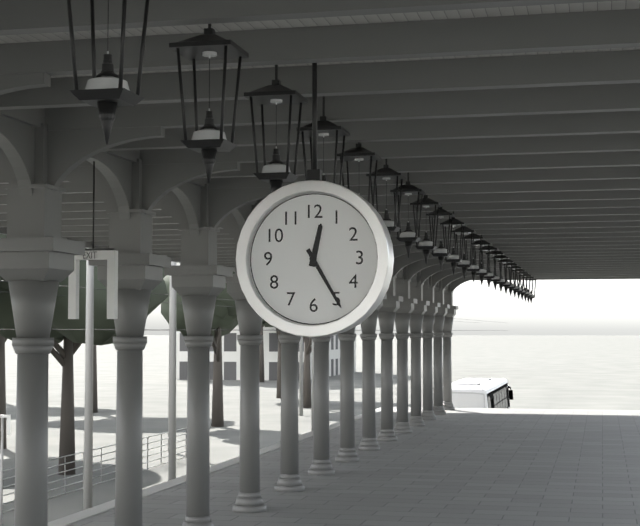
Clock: 12:25
